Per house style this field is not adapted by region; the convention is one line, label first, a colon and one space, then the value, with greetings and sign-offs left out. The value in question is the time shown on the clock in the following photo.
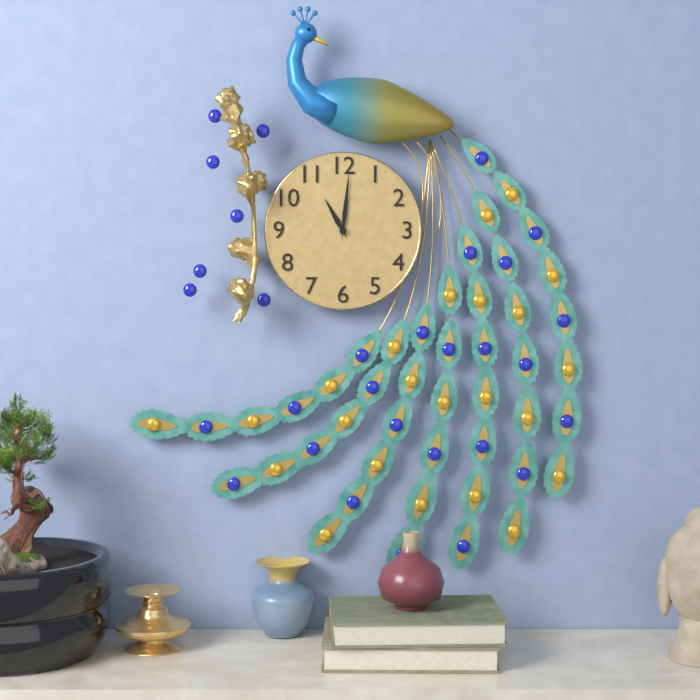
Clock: 11:01
